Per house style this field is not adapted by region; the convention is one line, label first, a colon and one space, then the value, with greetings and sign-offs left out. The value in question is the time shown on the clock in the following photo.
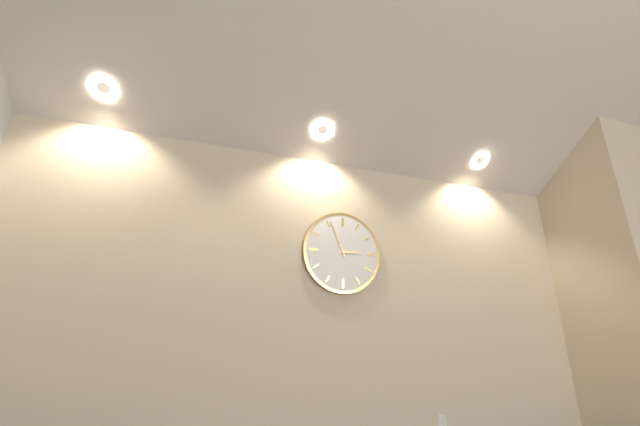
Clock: 2:56
